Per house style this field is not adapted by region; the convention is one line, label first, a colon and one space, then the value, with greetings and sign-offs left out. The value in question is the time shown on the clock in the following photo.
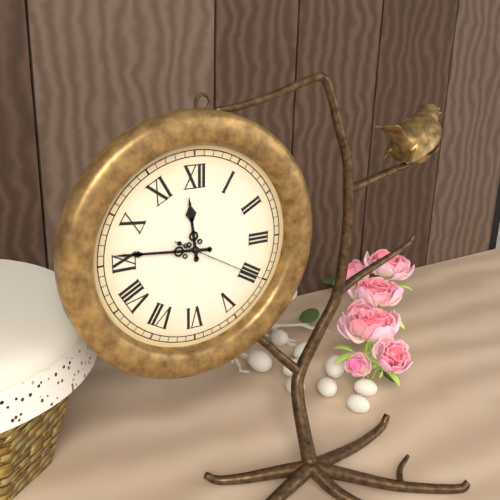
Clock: 11:46:20
